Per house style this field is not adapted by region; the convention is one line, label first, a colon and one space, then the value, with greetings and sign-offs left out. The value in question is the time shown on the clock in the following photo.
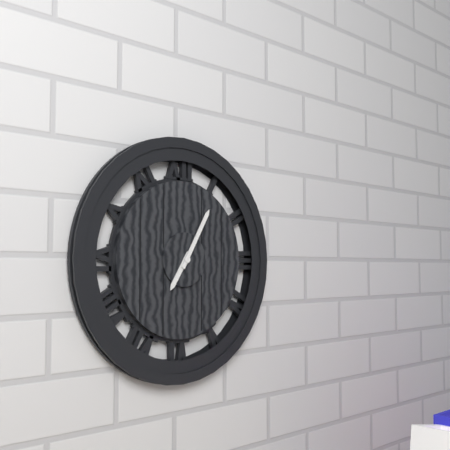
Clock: 7:05
